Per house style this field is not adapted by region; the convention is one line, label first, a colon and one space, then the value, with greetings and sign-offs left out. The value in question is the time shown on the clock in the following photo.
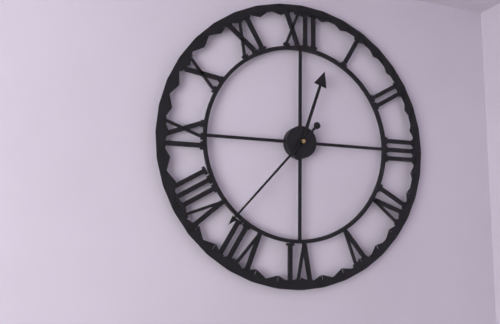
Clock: 12:37
